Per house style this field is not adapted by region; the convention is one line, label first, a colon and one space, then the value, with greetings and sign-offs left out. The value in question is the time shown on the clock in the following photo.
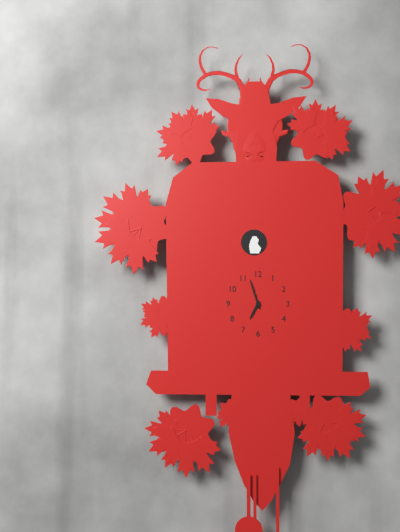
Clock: 6:57
